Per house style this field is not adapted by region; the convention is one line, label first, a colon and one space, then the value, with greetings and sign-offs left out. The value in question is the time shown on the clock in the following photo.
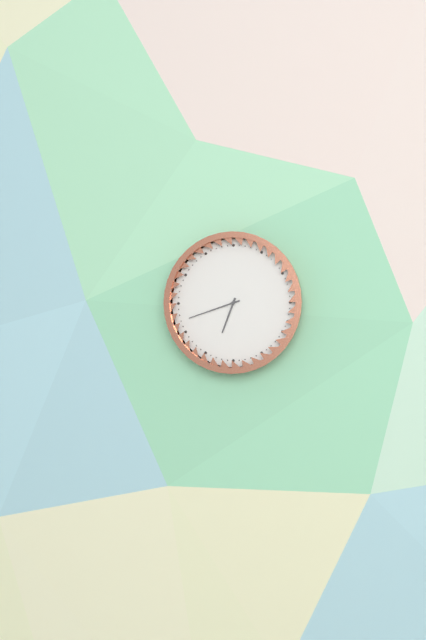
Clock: 6:42
